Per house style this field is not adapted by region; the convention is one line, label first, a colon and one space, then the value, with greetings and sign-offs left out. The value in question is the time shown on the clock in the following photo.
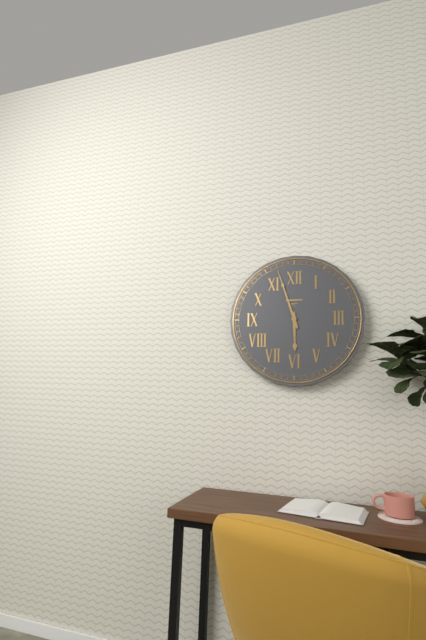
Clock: 5:57
